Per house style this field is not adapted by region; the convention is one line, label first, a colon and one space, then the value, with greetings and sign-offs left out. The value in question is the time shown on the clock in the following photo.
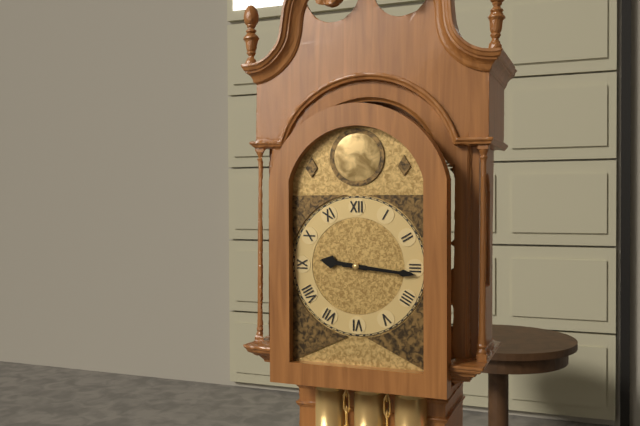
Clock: 9:16
